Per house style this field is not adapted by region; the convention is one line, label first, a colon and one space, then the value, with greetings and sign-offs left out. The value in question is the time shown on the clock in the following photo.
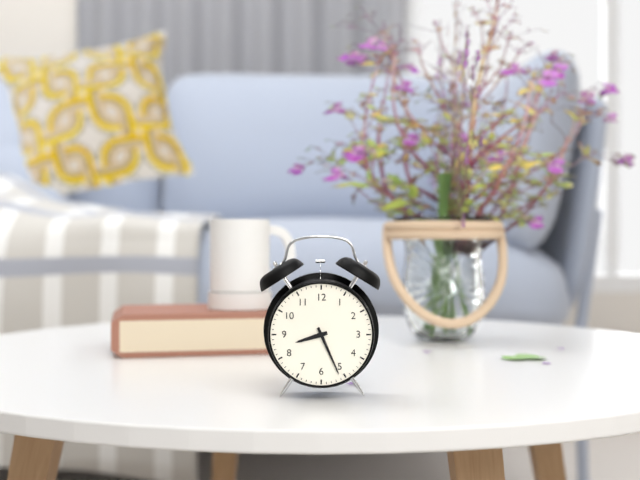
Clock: 8:26
